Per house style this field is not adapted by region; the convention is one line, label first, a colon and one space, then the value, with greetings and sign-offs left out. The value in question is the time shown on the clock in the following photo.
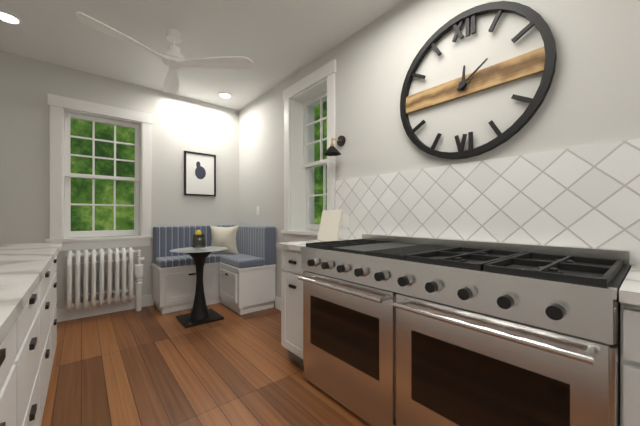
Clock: 12:09
